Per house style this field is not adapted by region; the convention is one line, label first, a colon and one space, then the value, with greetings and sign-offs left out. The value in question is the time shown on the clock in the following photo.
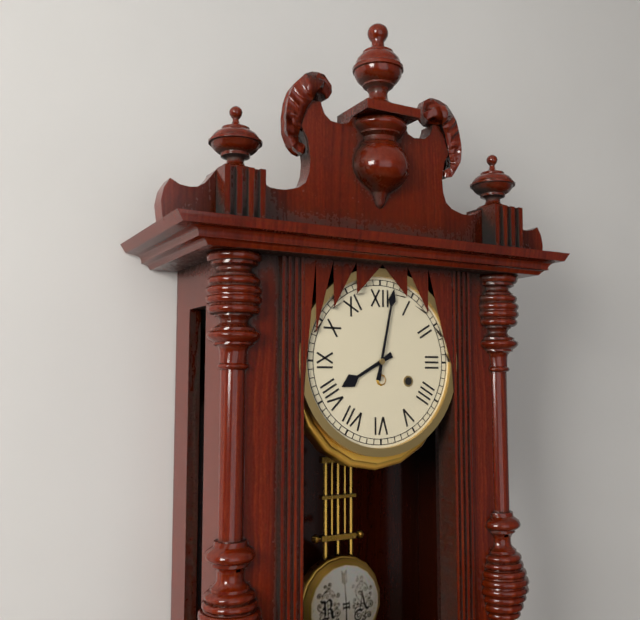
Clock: 8:02
